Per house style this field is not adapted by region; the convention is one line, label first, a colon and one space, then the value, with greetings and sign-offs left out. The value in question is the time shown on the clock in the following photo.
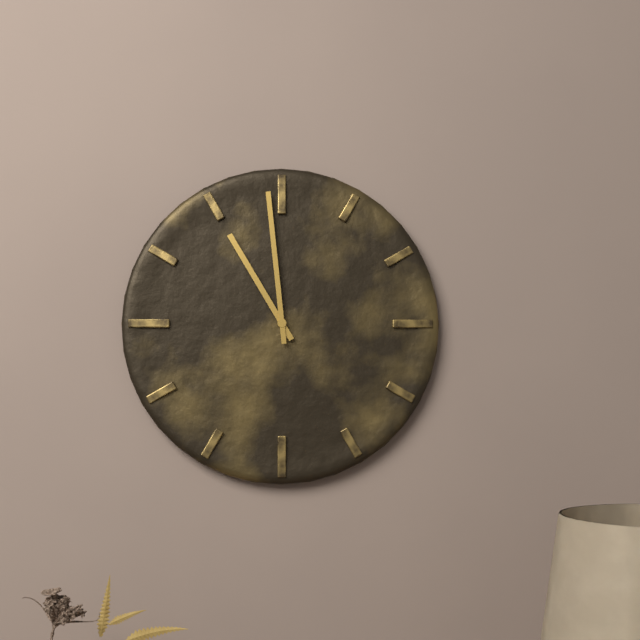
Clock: 10:59
